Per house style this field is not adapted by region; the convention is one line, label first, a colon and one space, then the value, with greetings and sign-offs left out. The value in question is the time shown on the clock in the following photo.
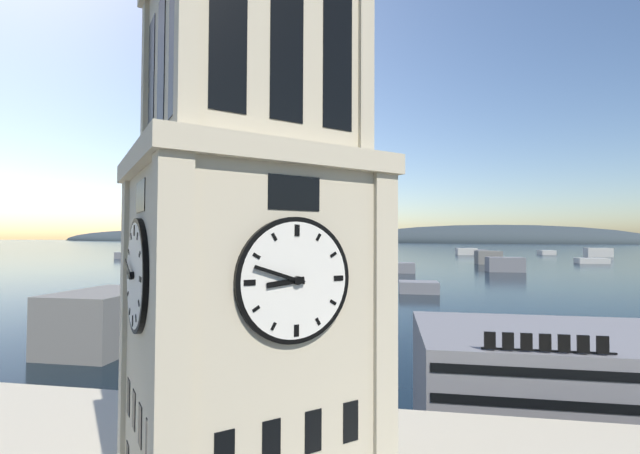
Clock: 8:48
